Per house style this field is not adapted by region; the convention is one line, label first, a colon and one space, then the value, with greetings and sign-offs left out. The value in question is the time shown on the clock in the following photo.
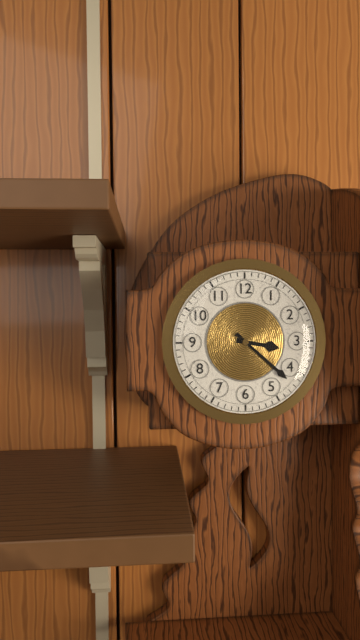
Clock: 3:22
